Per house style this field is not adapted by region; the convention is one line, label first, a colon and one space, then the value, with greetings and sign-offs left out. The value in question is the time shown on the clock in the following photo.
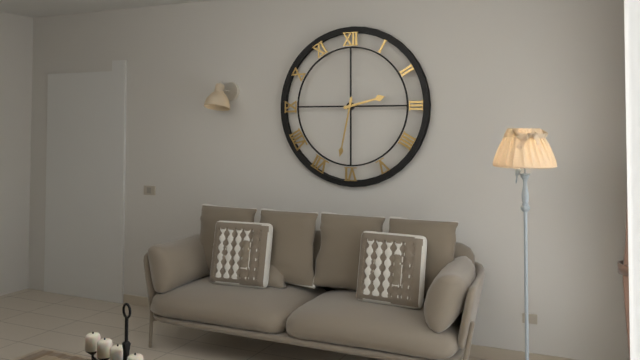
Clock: 2:32
